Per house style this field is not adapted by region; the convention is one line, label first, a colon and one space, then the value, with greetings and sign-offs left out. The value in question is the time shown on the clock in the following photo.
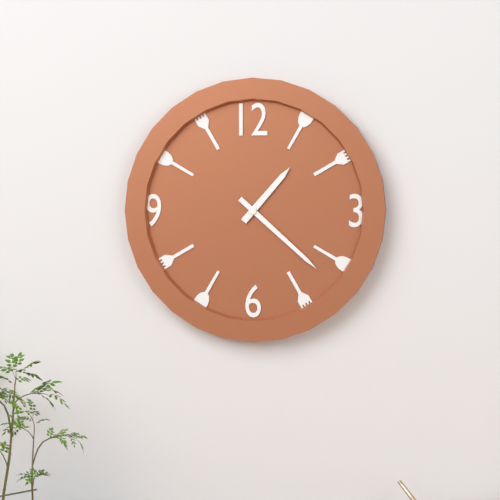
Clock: 1:22
